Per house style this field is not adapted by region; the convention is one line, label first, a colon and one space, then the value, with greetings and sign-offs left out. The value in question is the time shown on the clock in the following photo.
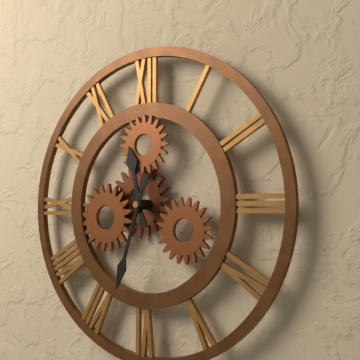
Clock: 11:33
